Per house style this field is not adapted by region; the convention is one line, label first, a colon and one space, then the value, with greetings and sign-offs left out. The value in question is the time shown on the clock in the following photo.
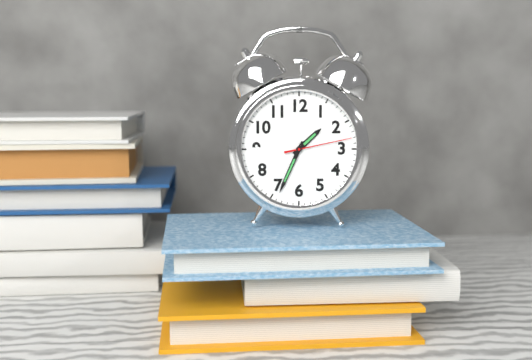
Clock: 1:34:13
